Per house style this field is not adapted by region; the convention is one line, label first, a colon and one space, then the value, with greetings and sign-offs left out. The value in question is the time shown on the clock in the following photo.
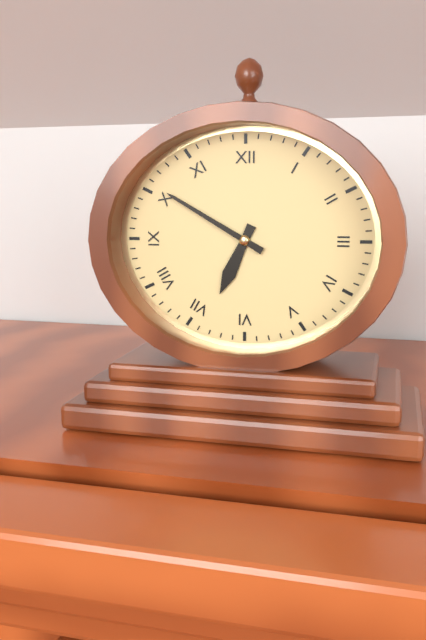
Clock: 6:50
